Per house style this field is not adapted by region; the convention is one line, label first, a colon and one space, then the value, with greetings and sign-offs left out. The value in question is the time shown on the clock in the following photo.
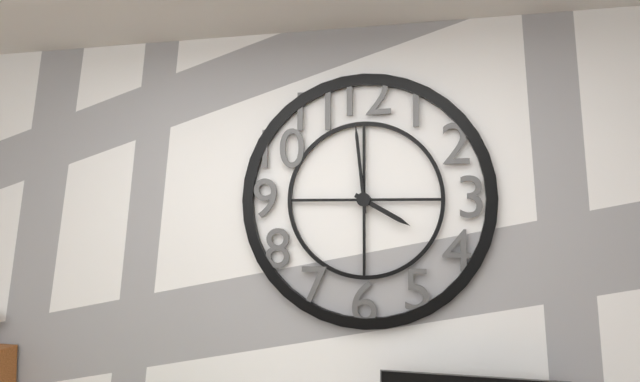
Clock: 3:59
